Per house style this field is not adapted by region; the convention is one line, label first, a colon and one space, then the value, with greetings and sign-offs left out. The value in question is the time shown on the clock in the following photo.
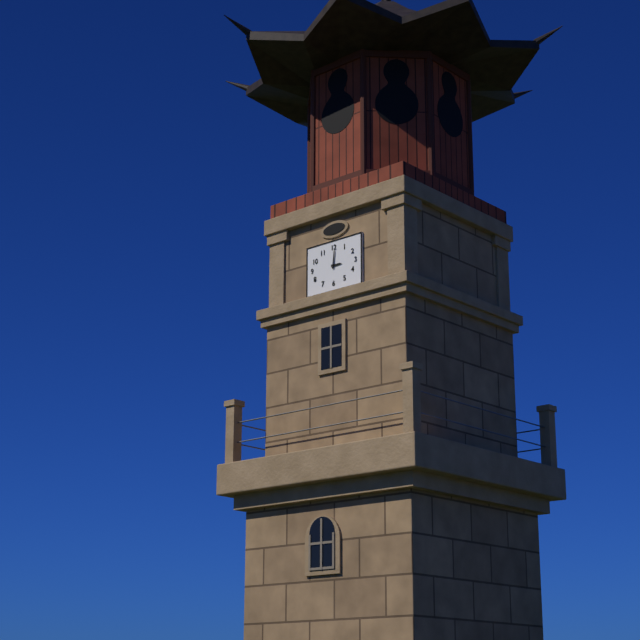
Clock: 3:01
